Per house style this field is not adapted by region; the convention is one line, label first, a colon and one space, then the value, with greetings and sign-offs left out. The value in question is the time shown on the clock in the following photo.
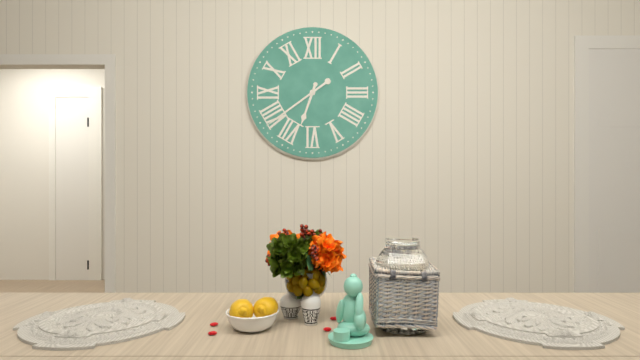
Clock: 6:39
